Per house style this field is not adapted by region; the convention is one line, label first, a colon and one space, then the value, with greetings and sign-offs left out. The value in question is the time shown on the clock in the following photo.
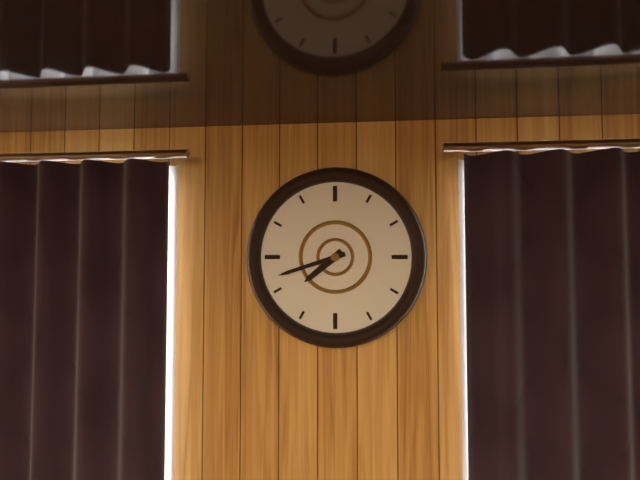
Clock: 7:42
